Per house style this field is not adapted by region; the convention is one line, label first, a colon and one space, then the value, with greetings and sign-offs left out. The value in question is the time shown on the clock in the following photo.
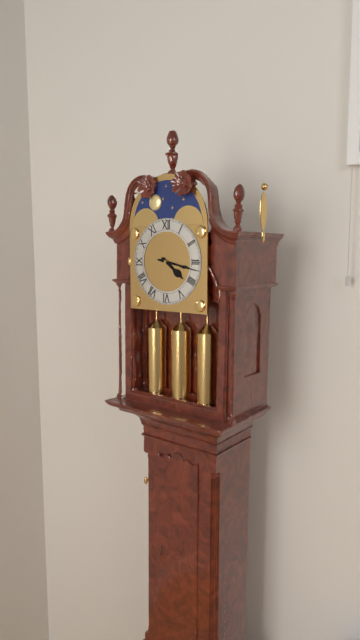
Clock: 4:17
